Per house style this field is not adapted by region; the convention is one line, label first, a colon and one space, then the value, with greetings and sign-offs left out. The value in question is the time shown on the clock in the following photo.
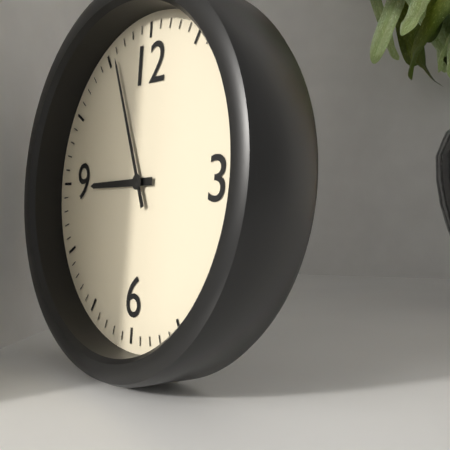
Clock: 8:56
